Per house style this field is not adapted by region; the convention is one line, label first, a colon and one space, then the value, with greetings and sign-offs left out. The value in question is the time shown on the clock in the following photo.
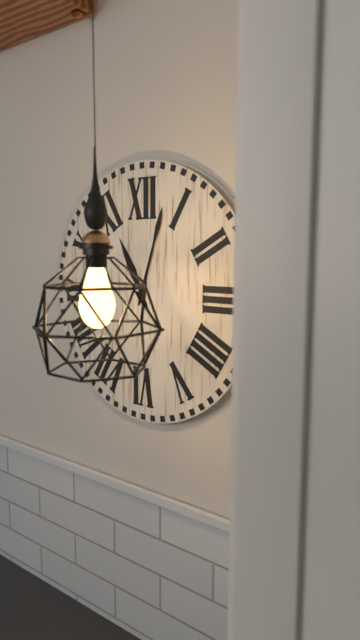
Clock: 11:03
